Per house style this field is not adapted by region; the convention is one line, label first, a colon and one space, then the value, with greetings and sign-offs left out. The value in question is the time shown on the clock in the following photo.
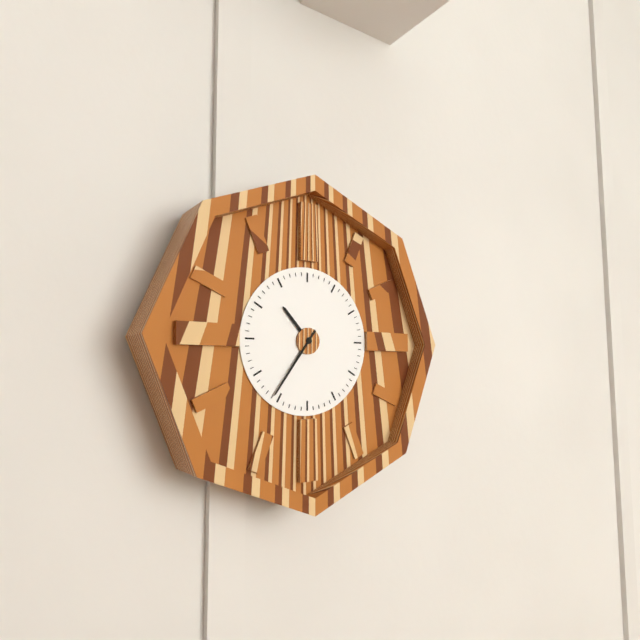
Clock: 10:36
